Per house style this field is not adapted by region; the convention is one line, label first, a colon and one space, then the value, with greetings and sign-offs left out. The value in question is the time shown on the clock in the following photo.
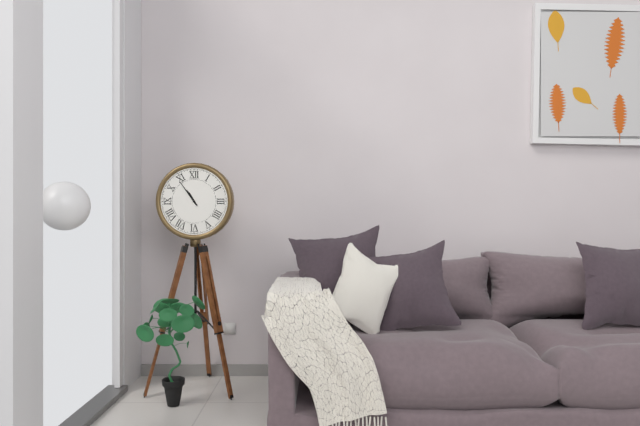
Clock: 10:54
